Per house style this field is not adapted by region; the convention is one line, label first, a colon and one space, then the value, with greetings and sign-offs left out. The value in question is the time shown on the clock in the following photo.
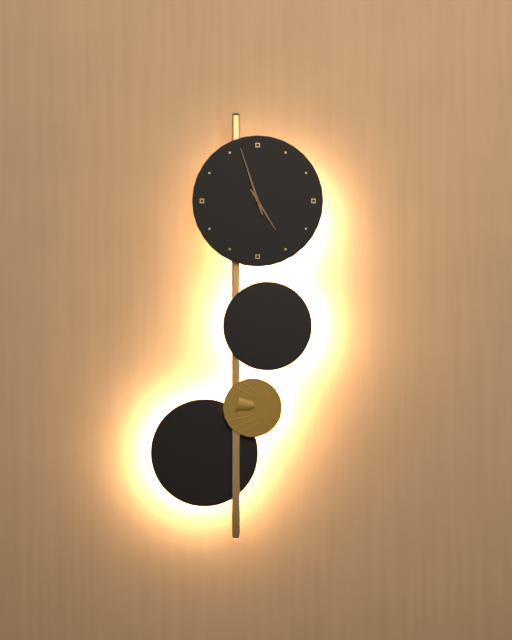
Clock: 4:57
